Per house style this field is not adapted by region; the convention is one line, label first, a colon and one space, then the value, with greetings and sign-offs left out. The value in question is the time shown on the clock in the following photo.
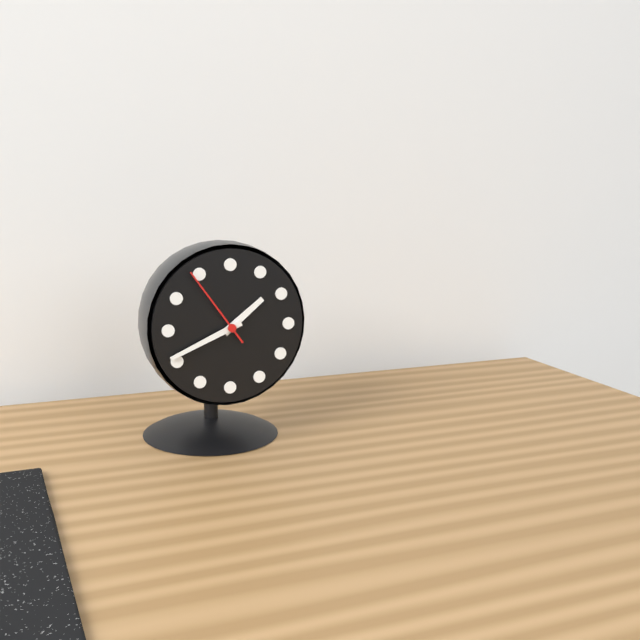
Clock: 1:41:54
